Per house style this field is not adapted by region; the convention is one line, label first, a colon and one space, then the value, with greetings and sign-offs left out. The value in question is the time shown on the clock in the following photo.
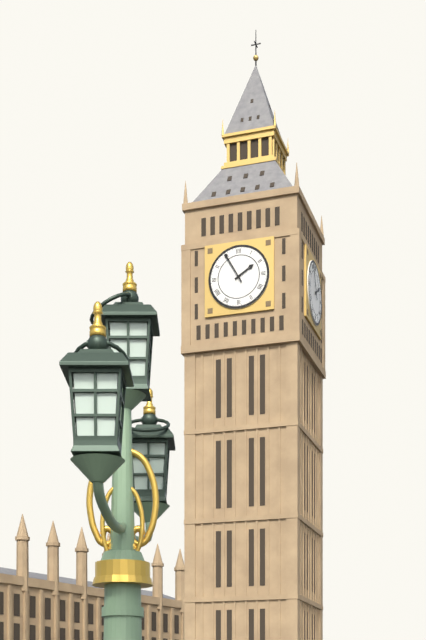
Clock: 1:55
